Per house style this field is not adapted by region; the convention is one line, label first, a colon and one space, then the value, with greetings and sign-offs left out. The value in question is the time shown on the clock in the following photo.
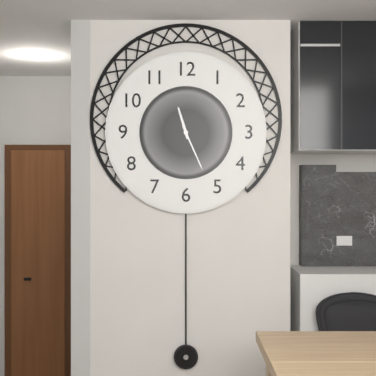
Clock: 11:26
